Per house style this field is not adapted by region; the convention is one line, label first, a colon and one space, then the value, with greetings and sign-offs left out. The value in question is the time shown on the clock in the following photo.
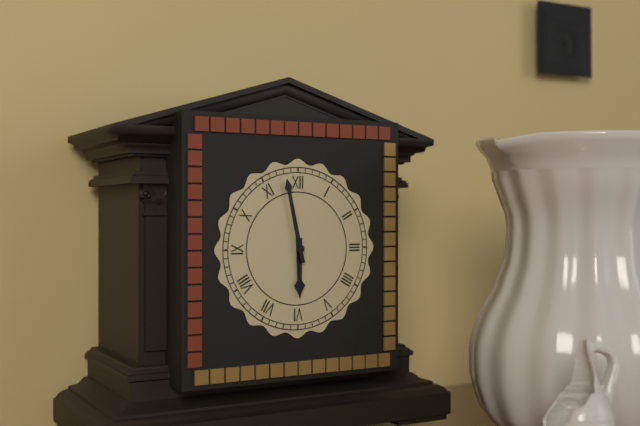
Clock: 5:58
